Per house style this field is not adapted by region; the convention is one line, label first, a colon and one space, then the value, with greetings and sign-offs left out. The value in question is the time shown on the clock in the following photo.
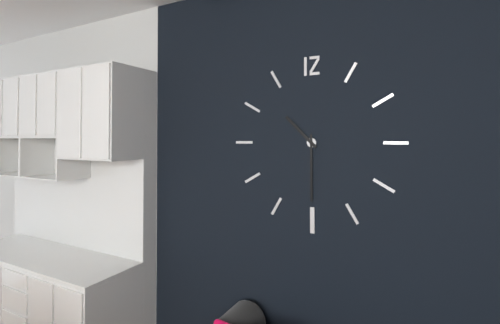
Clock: 10:30
